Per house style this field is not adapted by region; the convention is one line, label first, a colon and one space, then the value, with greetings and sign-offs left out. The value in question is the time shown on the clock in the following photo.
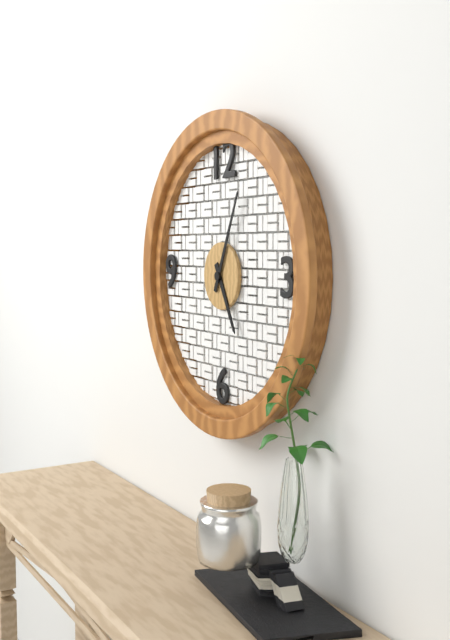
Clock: 5:04
